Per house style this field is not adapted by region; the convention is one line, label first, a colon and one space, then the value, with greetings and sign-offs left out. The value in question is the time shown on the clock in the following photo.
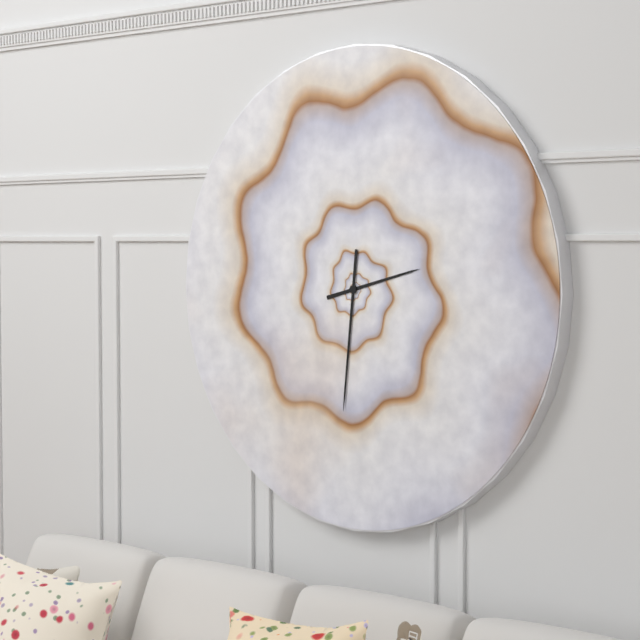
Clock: 2:31
